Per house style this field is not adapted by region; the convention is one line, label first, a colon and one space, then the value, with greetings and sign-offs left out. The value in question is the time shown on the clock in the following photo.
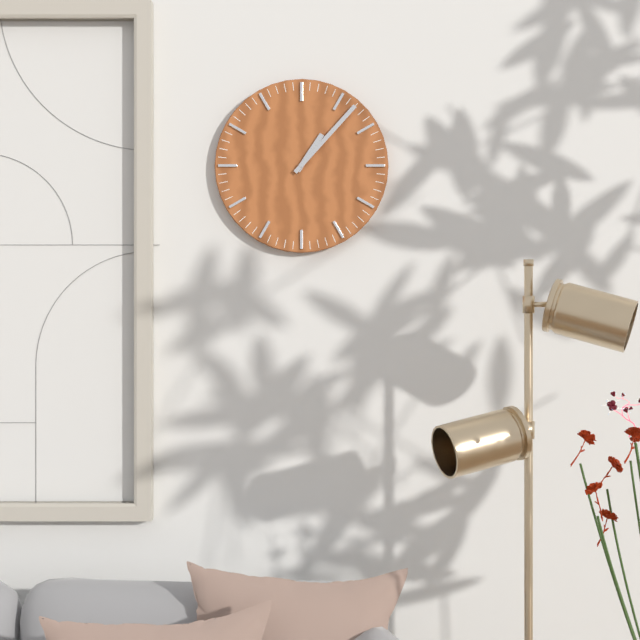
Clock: 1:07
